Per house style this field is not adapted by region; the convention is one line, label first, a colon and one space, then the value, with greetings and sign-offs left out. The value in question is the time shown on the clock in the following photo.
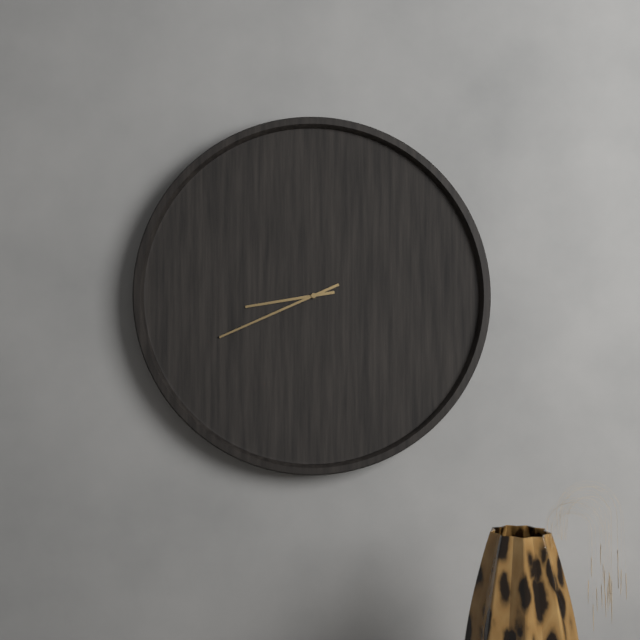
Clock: 8:41
